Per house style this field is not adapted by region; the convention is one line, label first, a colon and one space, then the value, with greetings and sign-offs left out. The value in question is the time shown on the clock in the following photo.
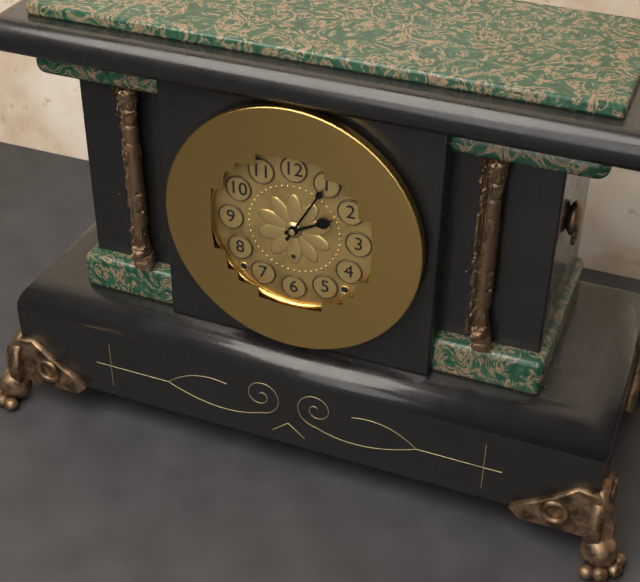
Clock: 2:05
